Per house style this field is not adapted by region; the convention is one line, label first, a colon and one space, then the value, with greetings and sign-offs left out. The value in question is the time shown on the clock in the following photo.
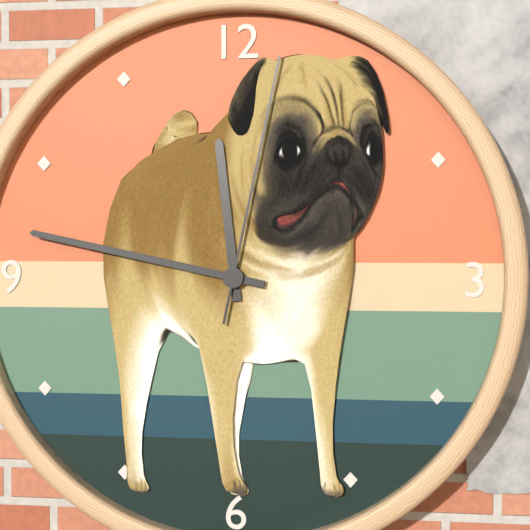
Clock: 11:47:02
